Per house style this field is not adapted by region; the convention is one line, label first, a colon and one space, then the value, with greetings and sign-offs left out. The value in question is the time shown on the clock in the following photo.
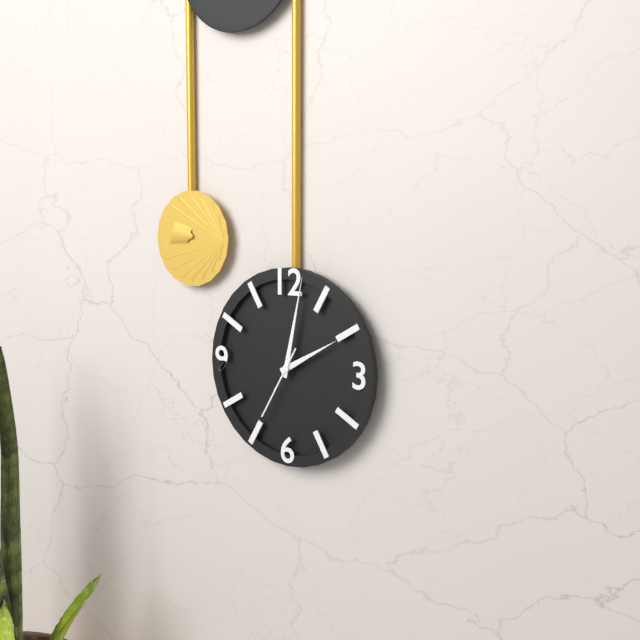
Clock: 2:02:35
